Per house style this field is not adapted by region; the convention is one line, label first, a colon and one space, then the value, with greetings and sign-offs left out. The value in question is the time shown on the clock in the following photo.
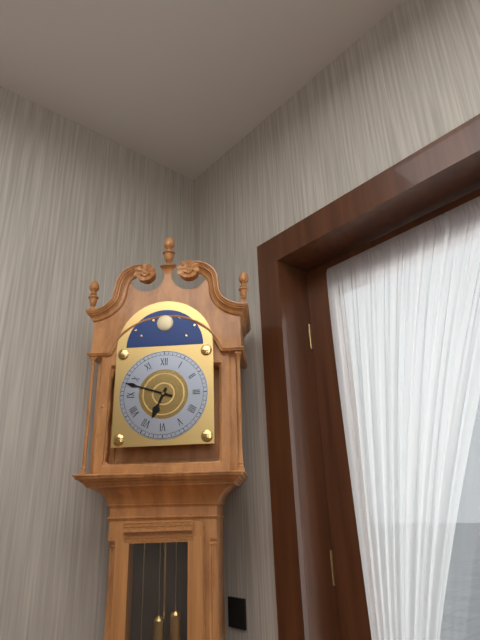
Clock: 6:48
